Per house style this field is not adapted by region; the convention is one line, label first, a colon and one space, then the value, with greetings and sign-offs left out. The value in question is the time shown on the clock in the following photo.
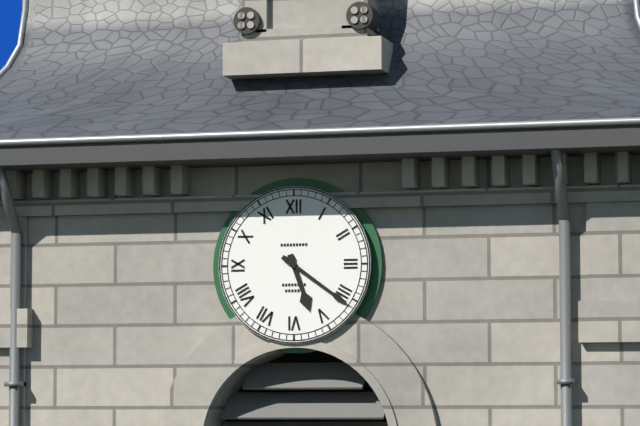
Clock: 5:21
